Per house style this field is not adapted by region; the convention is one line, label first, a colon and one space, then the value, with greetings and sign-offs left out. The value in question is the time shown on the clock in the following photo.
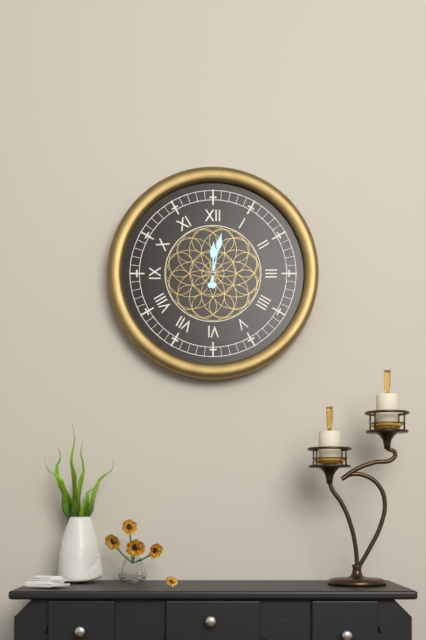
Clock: 12:02
